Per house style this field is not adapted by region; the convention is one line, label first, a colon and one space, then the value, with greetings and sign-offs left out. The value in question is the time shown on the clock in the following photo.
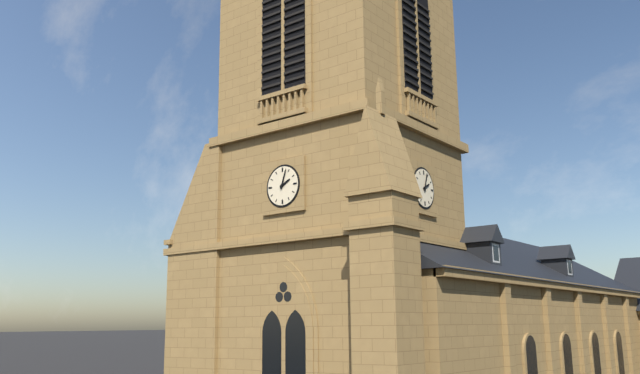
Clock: 2:03
